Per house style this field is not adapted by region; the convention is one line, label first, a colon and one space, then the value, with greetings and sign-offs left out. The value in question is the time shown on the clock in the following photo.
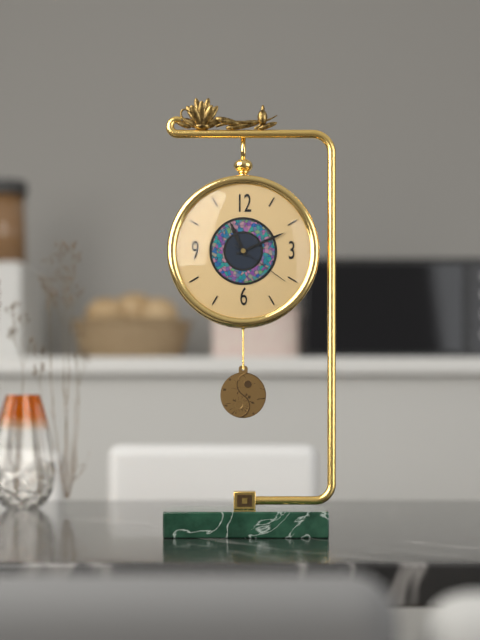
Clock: 11:11:21
